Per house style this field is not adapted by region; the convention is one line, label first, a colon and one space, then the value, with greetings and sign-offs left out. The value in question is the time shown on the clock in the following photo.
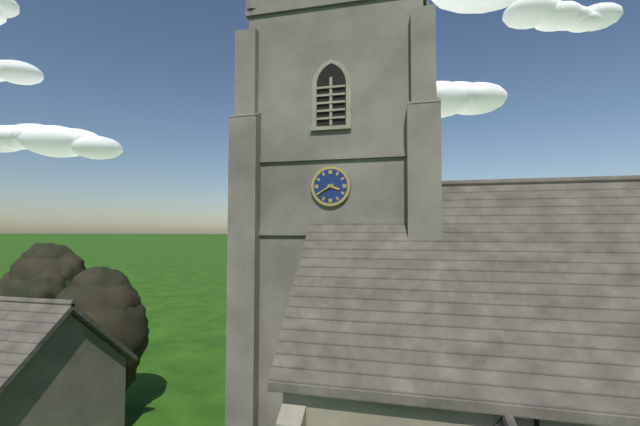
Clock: 3:40
